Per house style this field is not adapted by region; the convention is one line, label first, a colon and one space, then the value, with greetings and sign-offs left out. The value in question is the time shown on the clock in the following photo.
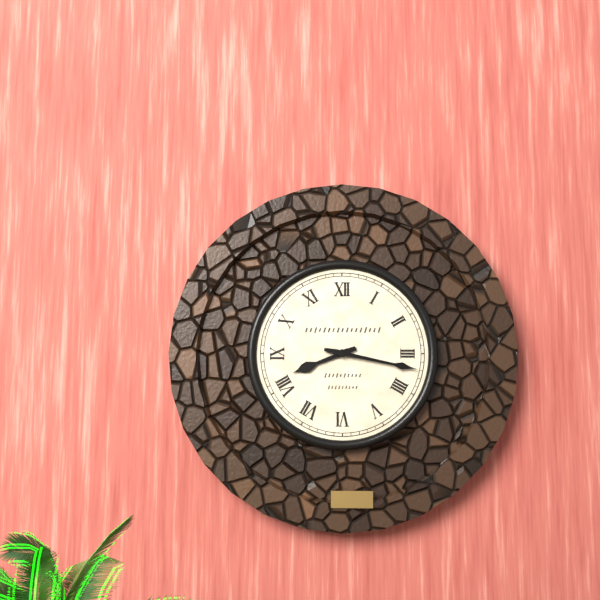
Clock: 8:17
